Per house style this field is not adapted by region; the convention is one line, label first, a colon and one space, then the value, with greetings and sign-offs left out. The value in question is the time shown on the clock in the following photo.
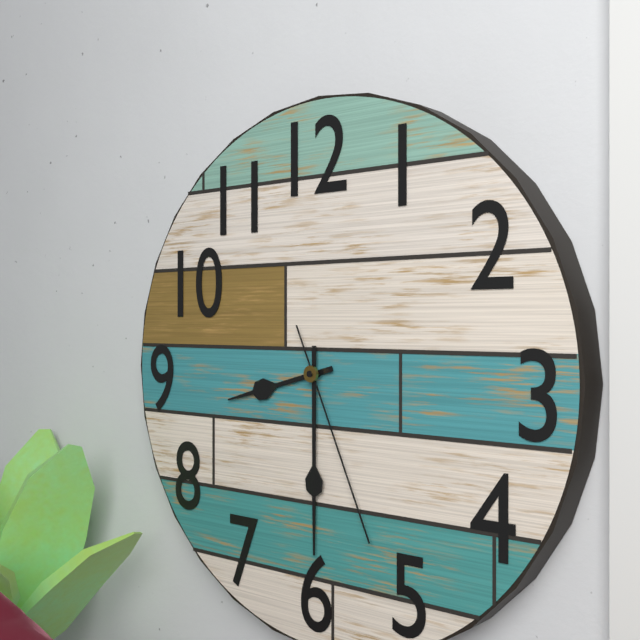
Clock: 8:30:26
